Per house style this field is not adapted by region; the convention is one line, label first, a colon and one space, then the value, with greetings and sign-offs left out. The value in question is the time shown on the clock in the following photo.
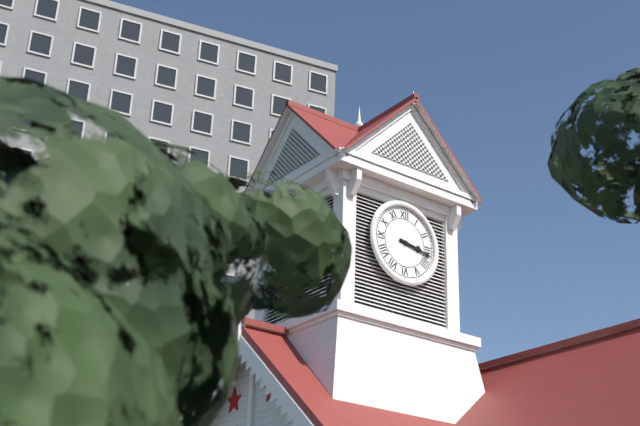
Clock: 3:17
